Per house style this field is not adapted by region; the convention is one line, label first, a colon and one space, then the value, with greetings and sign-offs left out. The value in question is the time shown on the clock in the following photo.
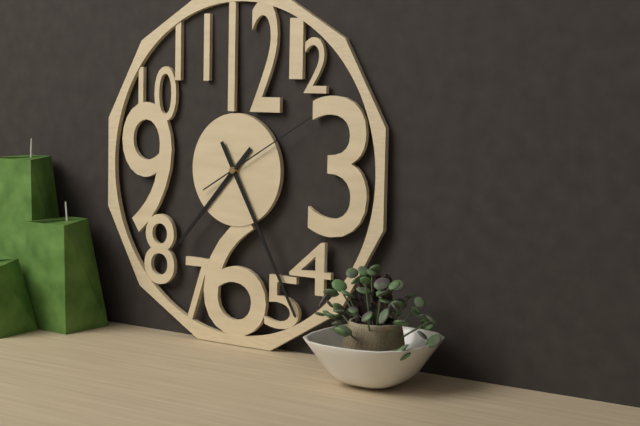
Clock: 7:25:10
